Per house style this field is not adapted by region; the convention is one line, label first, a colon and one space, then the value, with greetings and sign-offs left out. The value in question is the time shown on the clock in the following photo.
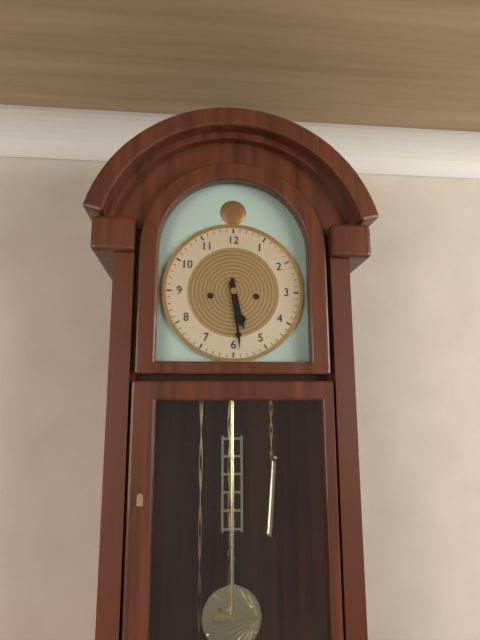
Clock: 5:29
